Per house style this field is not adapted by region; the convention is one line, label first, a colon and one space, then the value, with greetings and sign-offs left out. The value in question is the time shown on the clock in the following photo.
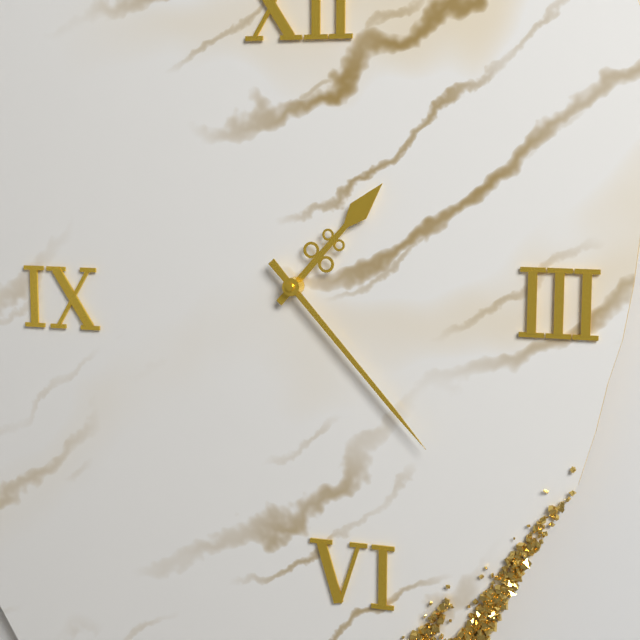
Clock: 1:23
